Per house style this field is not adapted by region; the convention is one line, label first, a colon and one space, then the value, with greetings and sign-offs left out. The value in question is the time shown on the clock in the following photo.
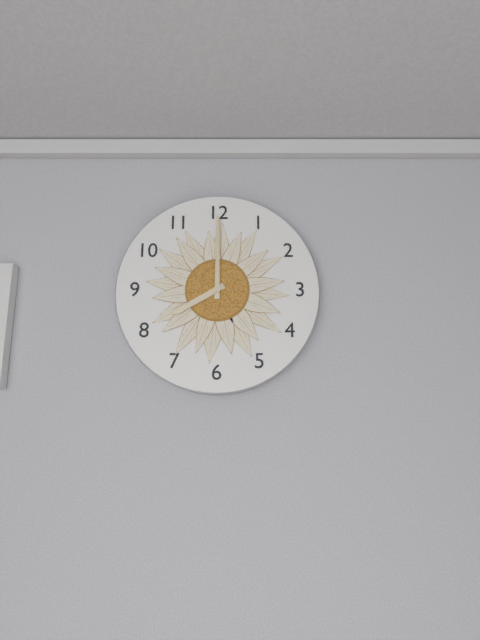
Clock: 8:00
